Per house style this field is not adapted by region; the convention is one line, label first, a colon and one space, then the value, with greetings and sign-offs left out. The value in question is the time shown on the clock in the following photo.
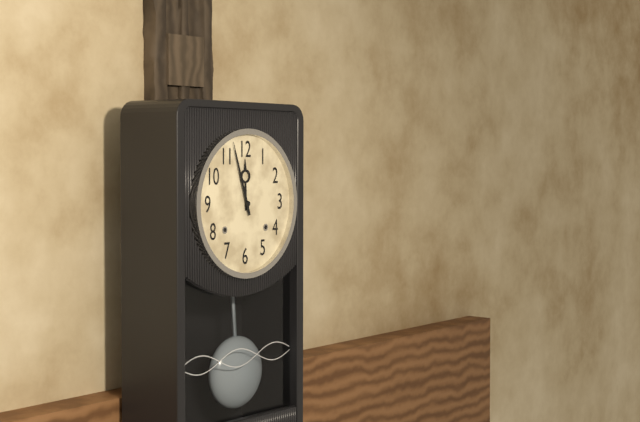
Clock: 11:57
